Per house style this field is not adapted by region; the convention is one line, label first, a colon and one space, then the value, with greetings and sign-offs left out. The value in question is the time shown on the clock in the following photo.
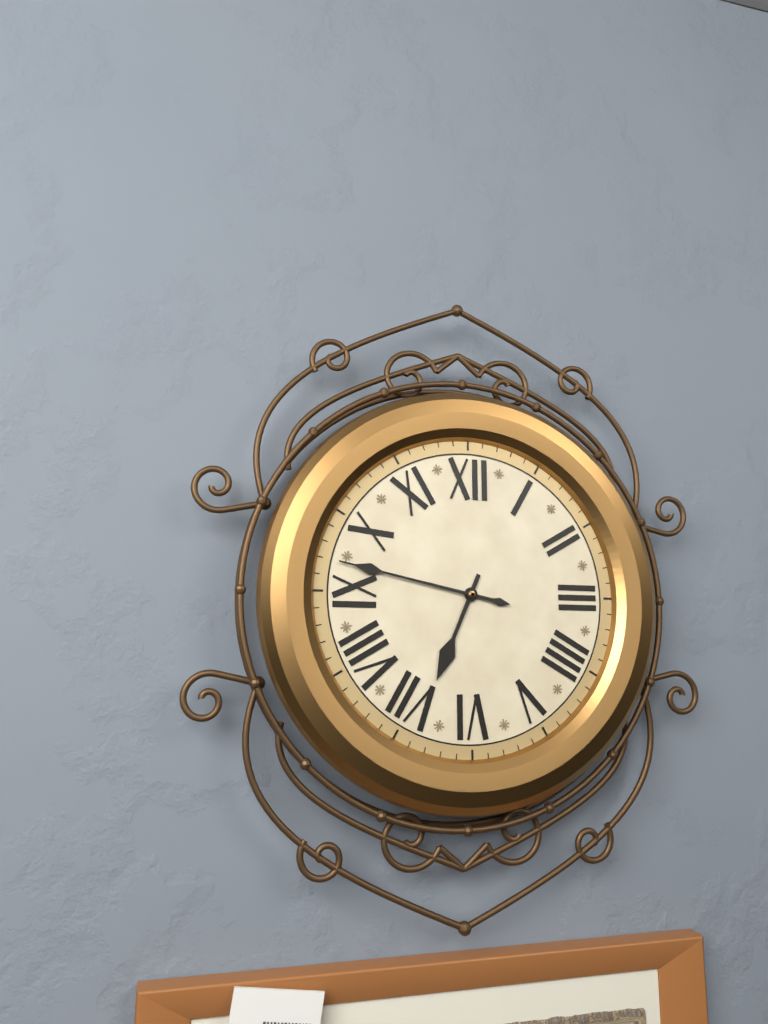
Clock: 6:47
